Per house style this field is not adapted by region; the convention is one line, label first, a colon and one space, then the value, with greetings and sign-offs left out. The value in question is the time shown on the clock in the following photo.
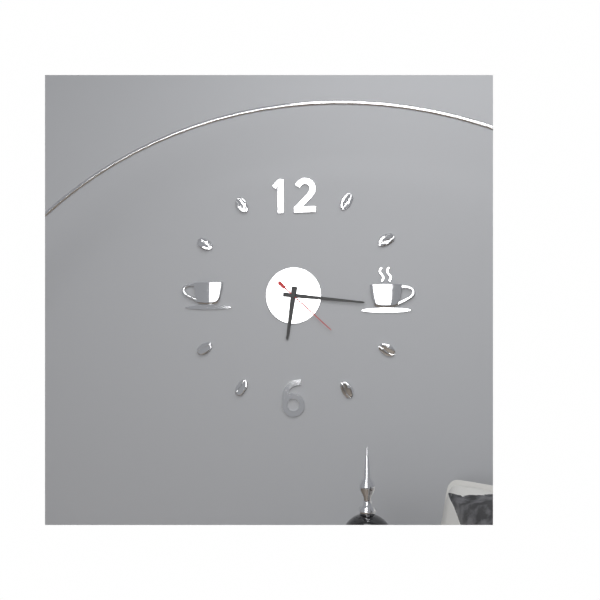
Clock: 6:16:22
